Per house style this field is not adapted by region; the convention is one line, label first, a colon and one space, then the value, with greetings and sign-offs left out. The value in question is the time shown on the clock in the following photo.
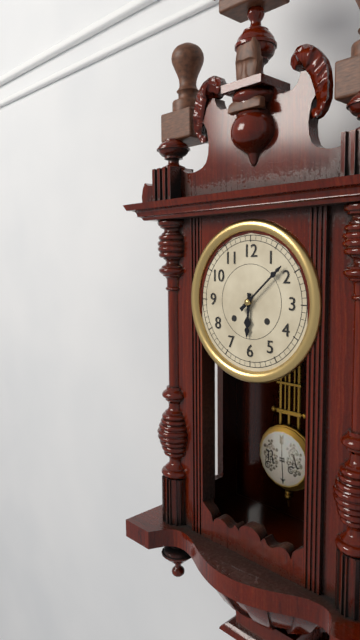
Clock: 6:08
